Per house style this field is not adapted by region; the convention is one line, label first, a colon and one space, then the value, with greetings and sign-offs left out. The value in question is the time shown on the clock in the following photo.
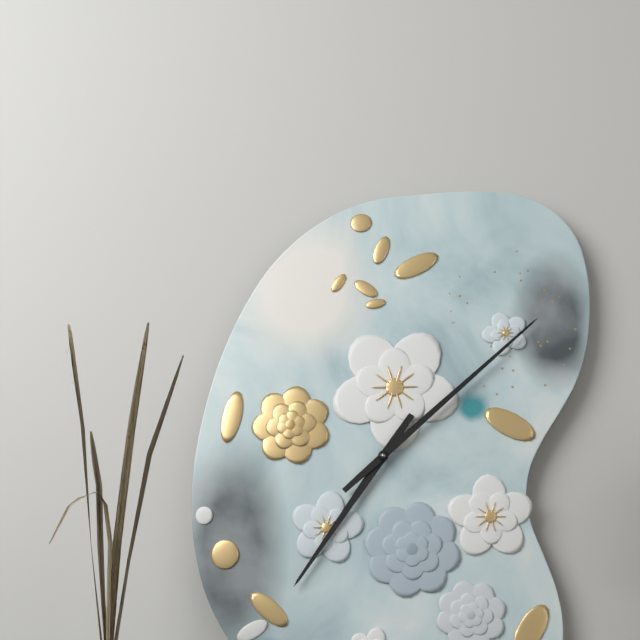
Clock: 7:08
